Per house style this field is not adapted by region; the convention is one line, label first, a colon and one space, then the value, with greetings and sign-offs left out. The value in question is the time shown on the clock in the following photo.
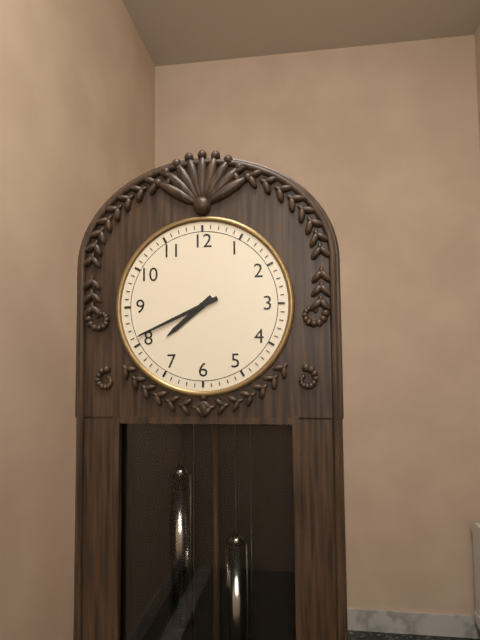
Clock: 7:41
